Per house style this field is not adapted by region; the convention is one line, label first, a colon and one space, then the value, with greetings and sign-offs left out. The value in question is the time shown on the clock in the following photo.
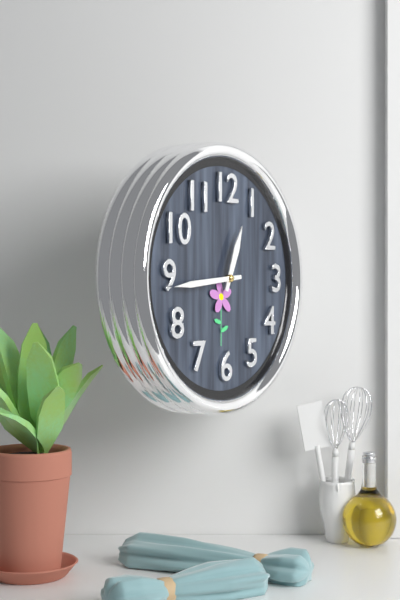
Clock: 12:44
